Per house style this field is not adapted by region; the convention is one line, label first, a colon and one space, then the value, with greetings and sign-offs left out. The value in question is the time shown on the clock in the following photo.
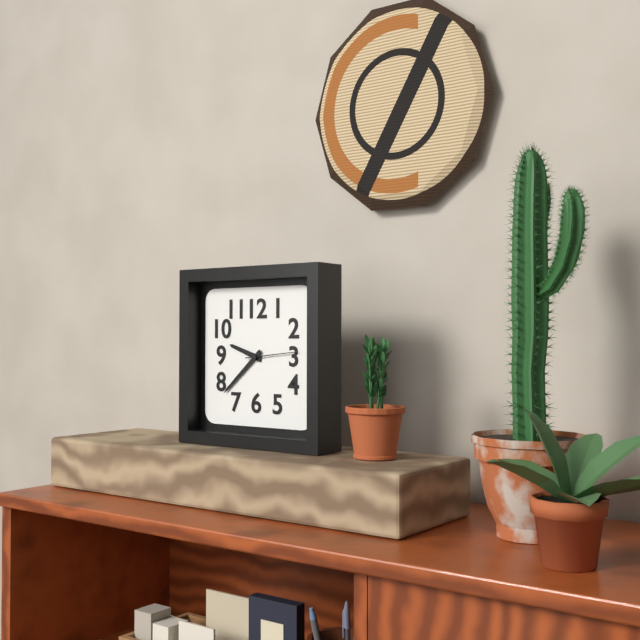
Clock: 9:38:14
